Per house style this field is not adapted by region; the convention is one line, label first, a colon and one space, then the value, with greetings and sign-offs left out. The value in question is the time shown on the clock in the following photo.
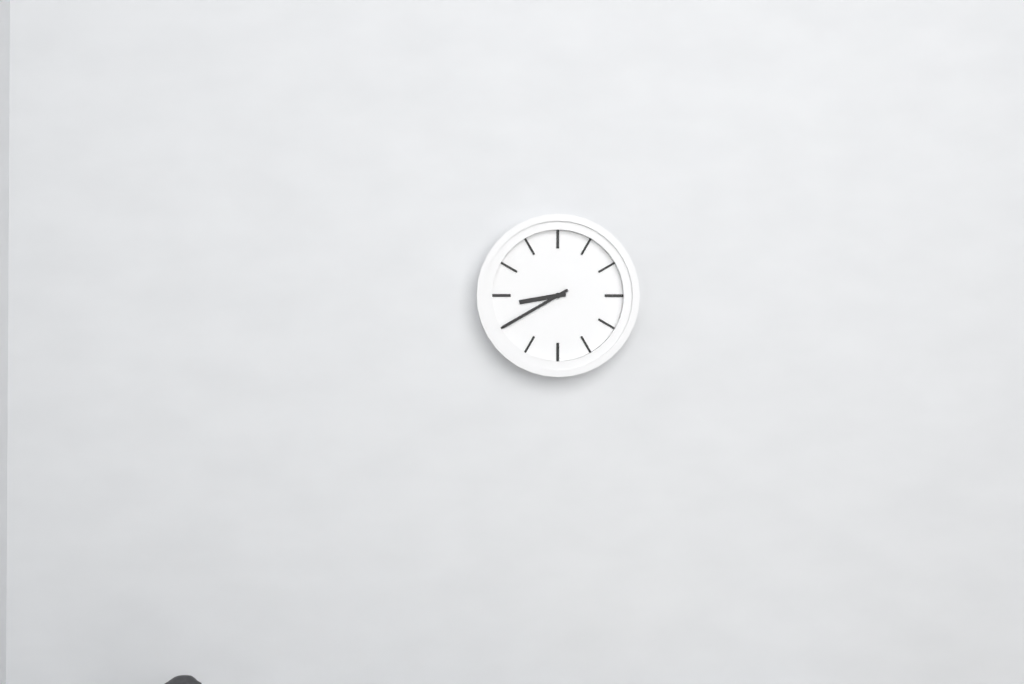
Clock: 8:40
